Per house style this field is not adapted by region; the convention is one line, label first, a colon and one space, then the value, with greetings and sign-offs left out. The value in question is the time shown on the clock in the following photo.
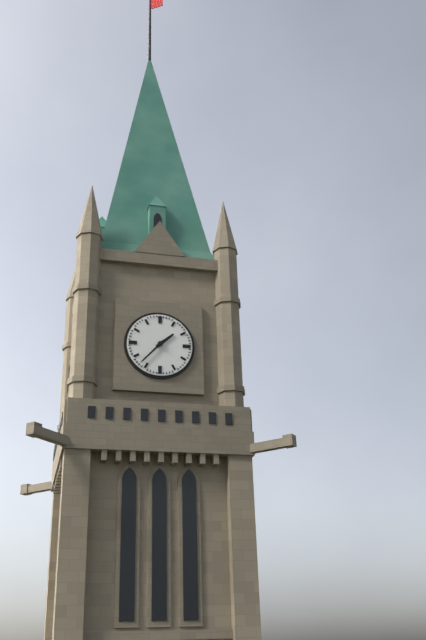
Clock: 1:37
